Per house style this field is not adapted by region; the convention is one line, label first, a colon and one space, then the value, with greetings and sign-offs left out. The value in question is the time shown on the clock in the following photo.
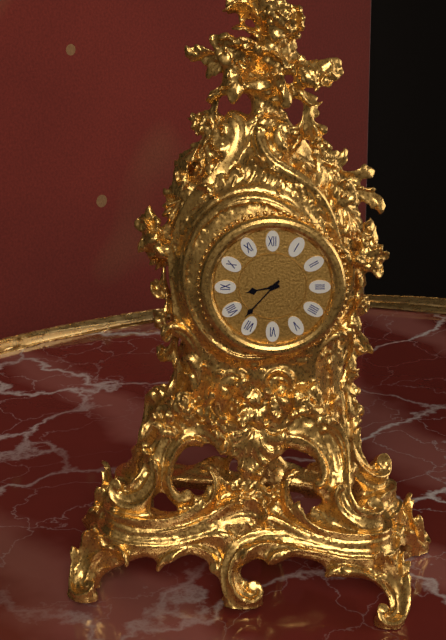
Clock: 8:37
